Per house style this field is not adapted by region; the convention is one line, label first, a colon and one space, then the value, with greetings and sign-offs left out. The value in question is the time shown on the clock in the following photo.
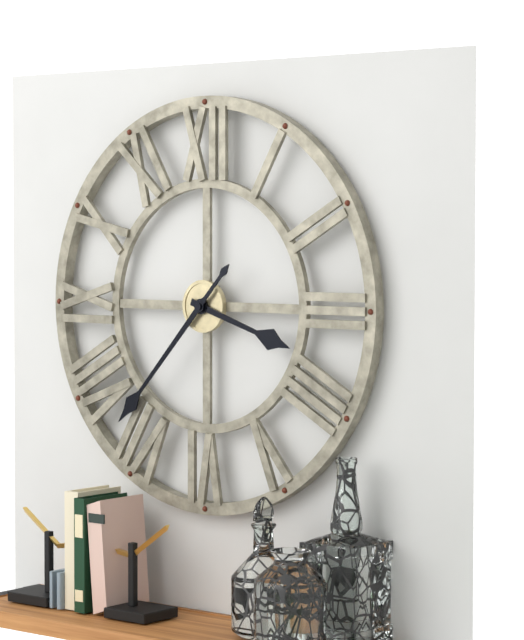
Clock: 3:37
